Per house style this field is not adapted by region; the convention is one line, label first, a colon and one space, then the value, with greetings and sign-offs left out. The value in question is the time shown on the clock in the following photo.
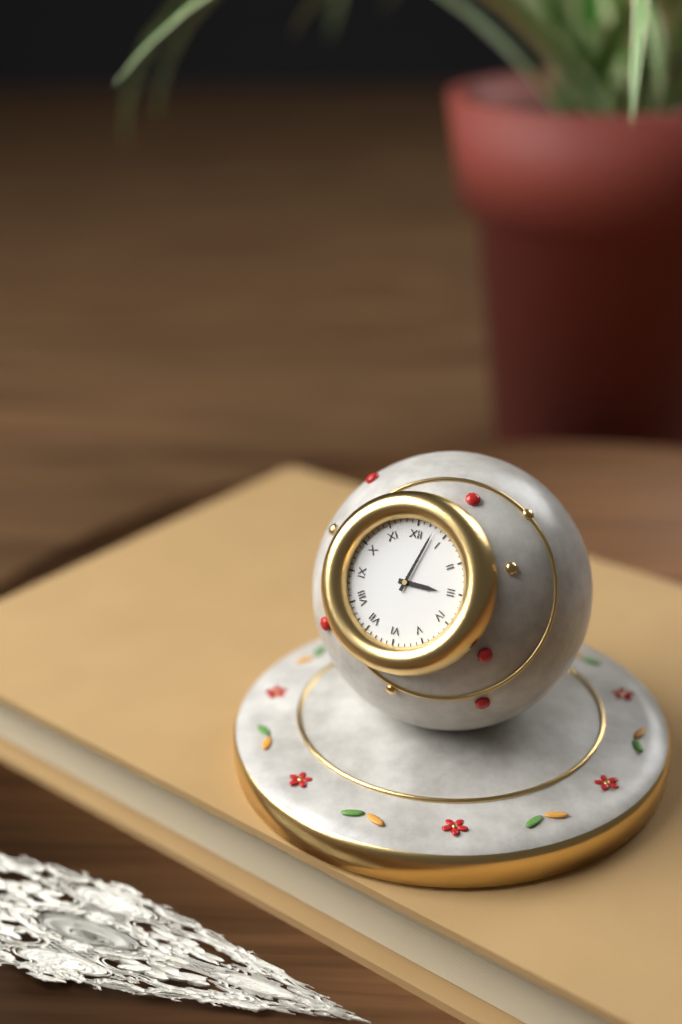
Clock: 3:03
